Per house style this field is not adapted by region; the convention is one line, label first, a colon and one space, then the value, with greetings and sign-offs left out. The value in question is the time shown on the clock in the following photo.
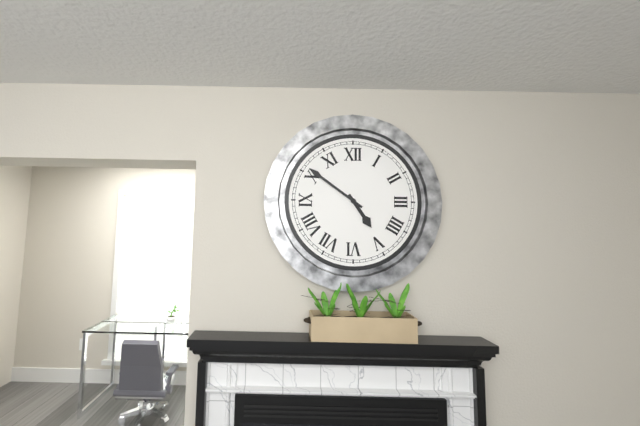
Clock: 4:51
